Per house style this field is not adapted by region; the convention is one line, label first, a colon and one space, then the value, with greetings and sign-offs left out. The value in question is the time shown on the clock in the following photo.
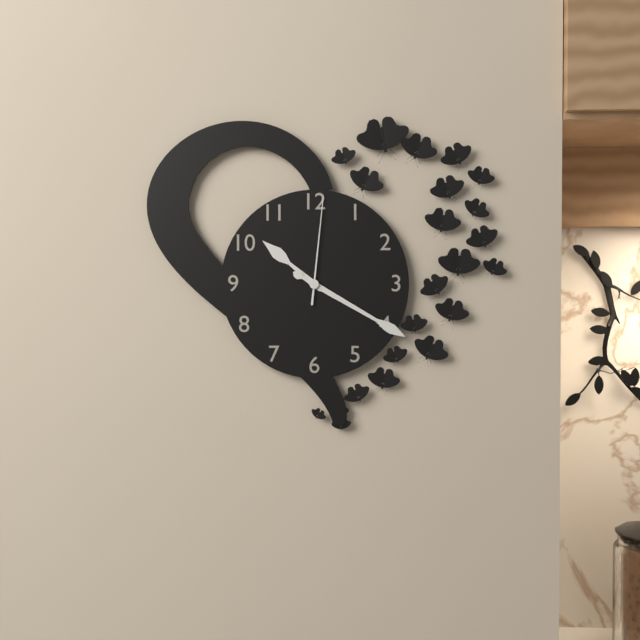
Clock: 10:20:01
